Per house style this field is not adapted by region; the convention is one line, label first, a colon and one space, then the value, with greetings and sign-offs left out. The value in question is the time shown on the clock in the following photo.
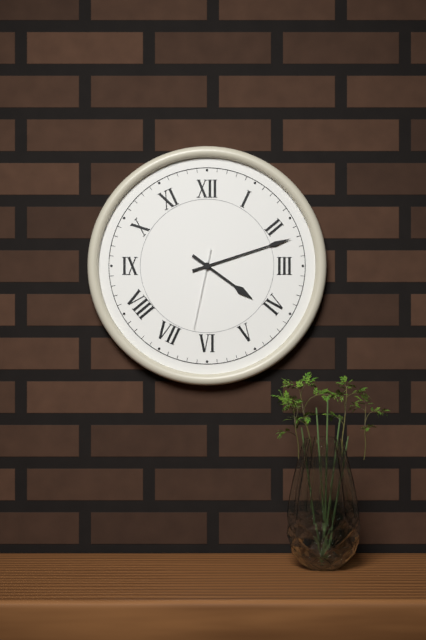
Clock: 4:12:32
